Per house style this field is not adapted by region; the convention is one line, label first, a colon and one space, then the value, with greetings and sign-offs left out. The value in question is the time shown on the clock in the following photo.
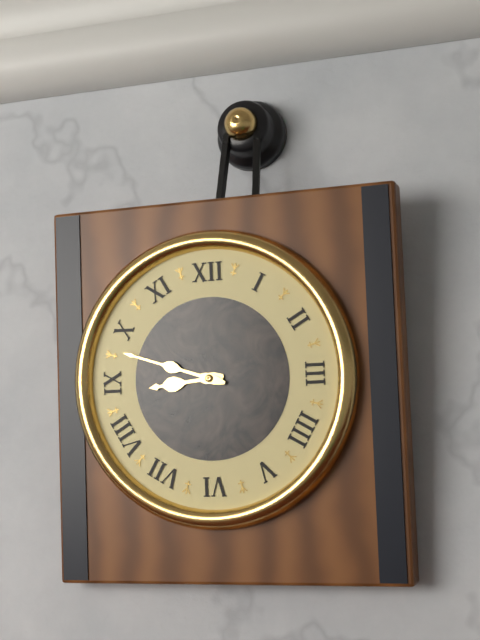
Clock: 8:48
